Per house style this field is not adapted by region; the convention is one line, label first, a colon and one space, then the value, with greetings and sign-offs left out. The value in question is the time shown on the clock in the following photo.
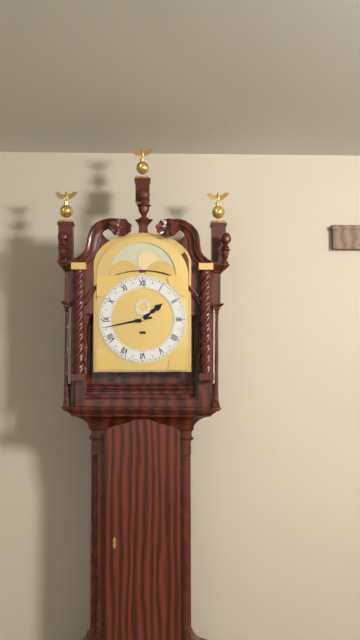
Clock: 1:43
